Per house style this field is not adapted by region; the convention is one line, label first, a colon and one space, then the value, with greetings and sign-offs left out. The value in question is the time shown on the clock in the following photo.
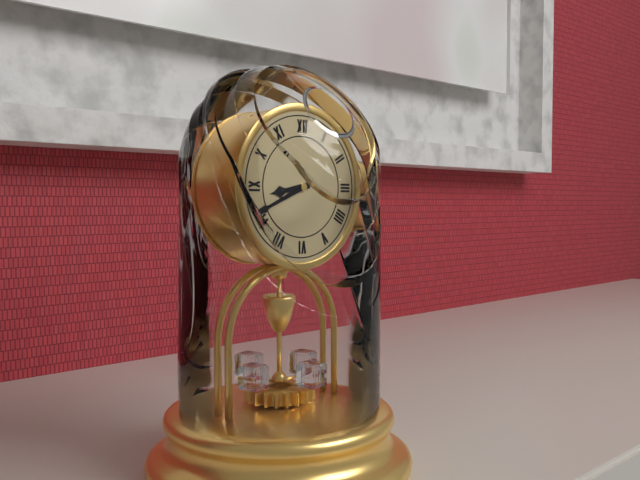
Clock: 8:41
